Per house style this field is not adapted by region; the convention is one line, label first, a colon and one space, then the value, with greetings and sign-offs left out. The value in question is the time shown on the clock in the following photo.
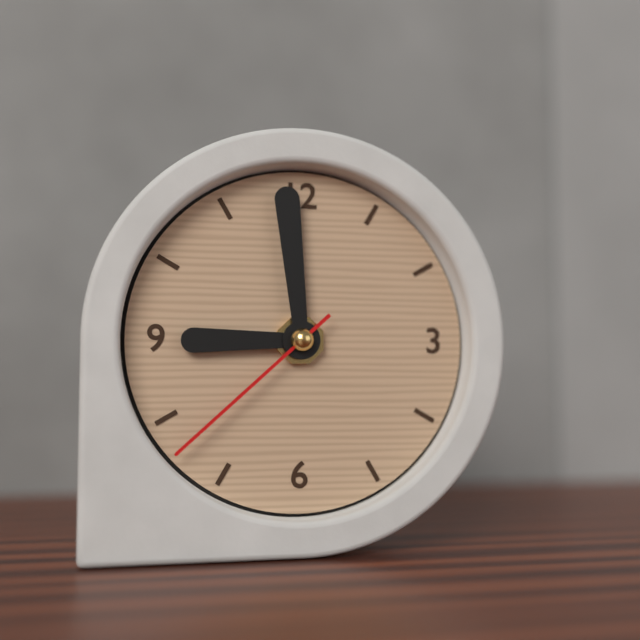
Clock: 8:59:38
